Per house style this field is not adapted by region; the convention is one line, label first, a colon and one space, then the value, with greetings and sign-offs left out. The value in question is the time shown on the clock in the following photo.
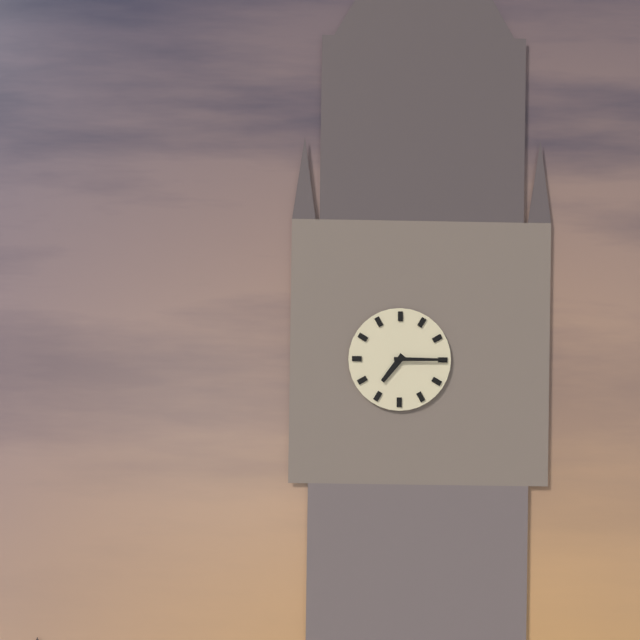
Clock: 7:15
